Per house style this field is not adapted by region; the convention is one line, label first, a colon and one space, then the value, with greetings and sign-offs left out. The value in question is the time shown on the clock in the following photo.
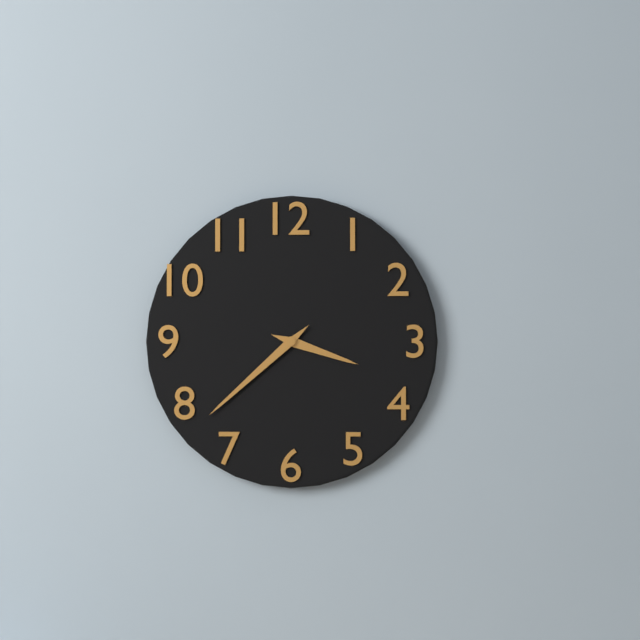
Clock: 3:38
